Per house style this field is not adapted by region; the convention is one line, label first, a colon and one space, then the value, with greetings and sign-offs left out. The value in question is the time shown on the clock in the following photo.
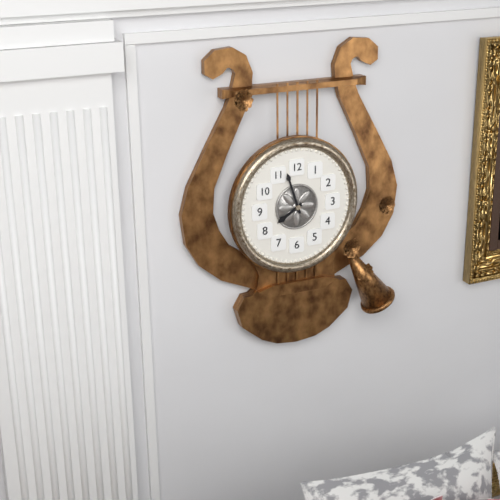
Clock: 7:57
